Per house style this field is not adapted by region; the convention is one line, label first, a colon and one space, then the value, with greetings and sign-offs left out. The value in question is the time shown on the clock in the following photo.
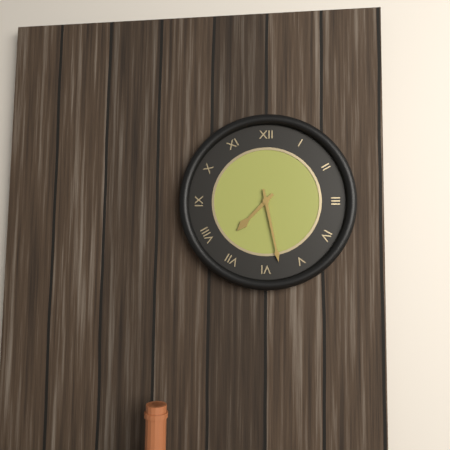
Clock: 7:28
